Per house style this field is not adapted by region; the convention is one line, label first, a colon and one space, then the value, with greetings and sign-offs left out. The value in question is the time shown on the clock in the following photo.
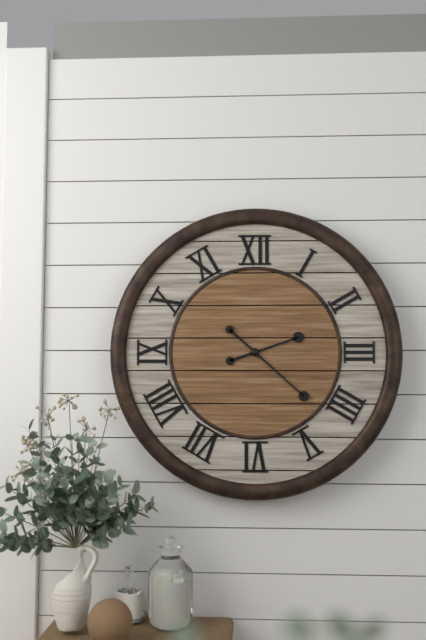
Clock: 2:22
